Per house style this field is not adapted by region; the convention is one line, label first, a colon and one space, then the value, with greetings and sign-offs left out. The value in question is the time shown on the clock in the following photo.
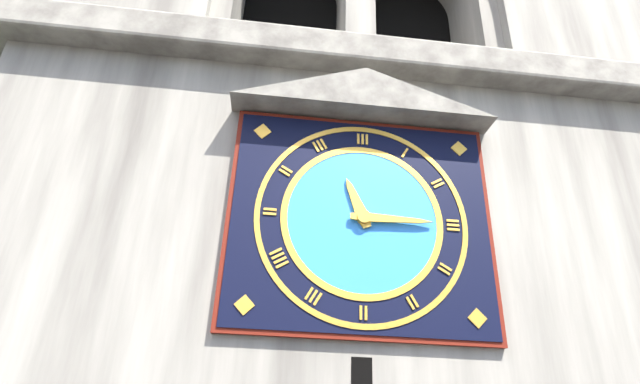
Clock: 11:15
